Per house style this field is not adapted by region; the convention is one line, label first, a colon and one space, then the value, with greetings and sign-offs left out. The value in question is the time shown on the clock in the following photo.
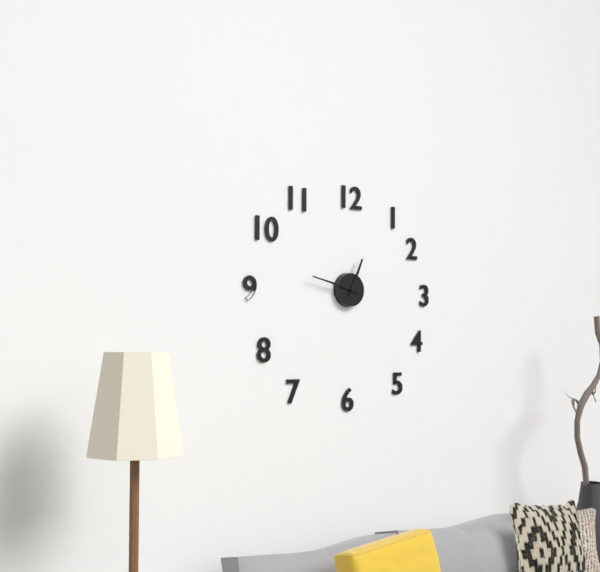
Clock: 12:47
